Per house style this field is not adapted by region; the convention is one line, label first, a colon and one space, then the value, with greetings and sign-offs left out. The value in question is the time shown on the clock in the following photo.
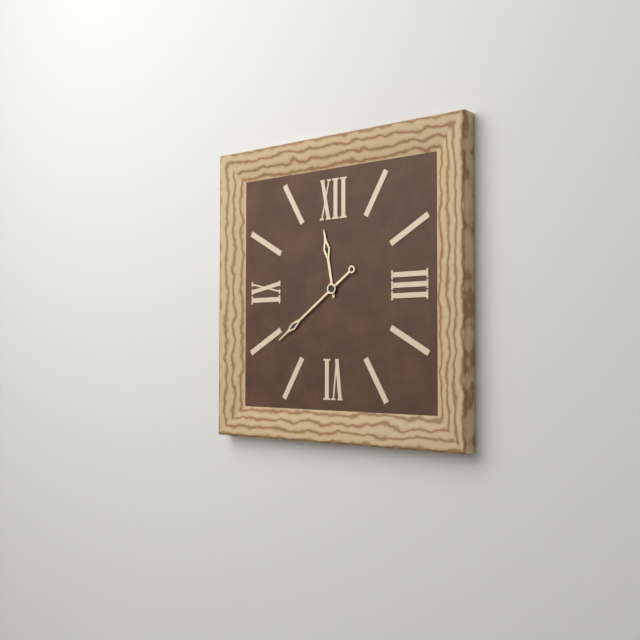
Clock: 11:39
